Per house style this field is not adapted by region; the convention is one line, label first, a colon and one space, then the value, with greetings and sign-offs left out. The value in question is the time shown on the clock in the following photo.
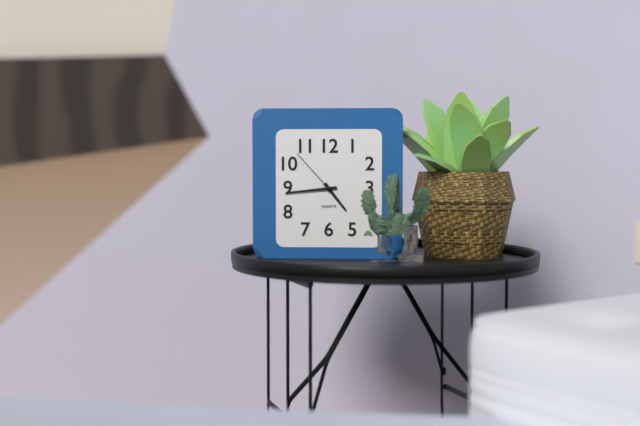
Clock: 4:44:53
